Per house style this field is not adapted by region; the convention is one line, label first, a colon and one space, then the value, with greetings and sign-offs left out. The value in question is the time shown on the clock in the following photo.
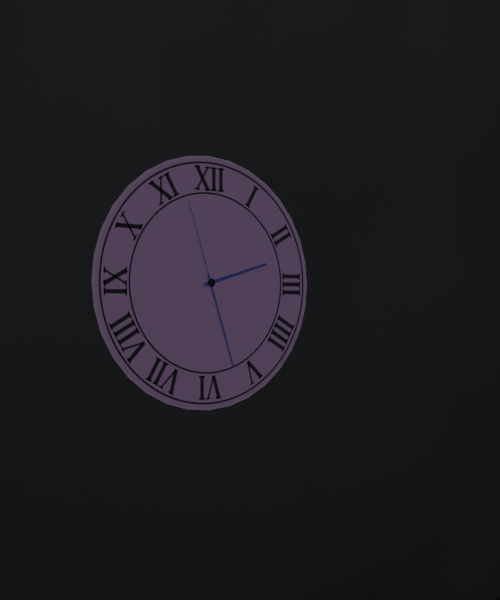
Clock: 2:27:57
